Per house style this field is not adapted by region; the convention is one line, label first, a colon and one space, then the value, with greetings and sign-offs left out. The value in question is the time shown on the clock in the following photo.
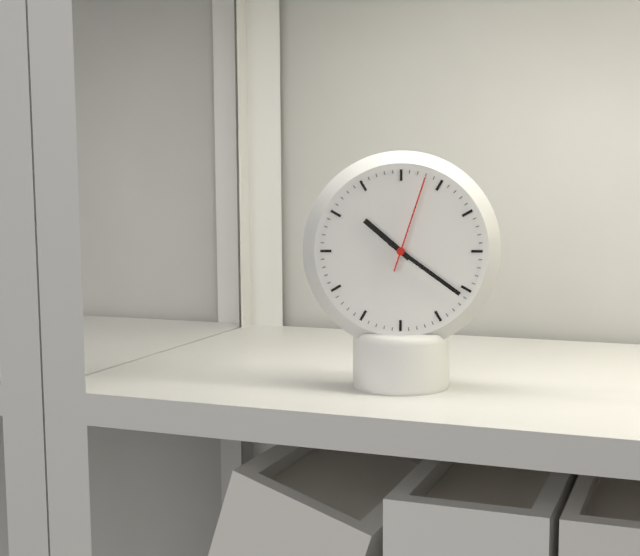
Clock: 10:21:03
